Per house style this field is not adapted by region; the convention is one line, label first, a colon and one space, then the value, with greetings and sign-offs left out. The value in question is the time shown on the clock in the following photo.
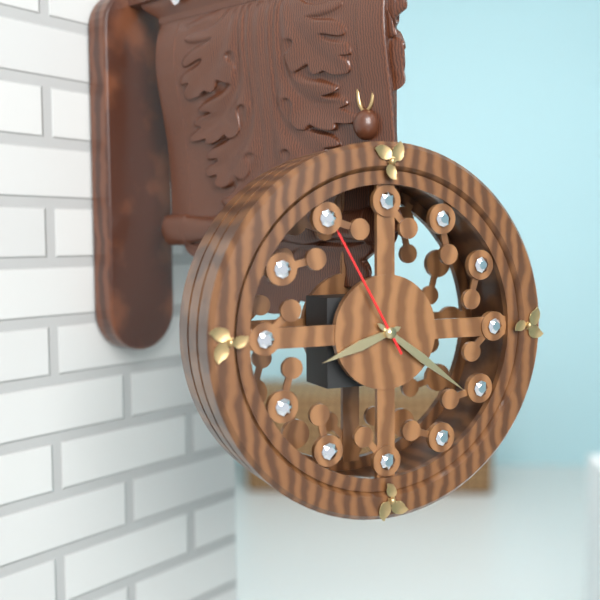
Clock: 8:21:55
